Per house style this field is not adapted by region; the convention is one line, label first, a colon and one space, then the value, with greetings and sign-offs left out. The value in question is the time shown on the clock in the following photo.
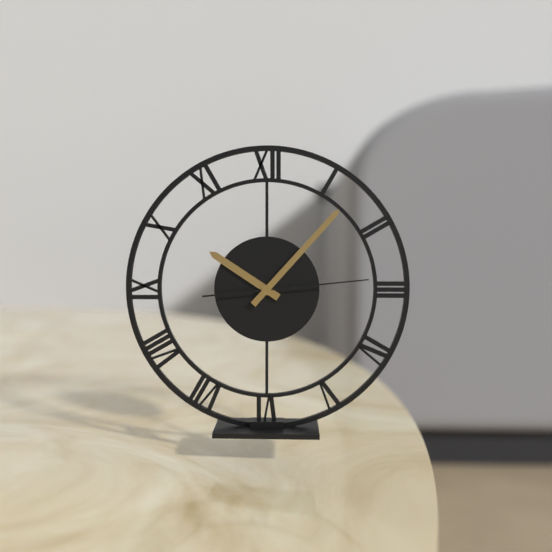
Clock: 10:07:14
